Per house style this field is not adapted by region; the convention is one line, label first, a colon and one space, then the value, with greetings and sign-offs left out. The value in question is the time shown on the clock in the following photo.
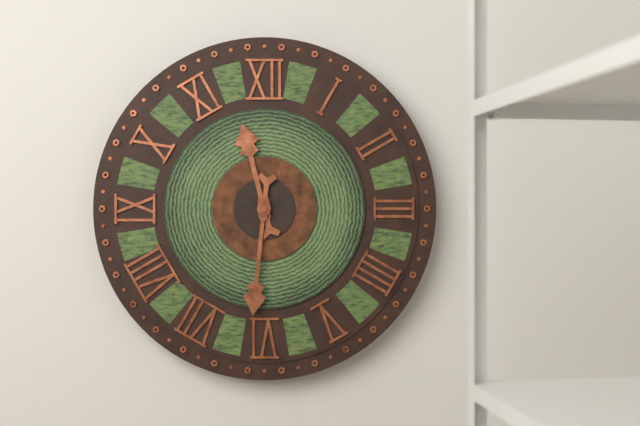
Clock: 11:31
